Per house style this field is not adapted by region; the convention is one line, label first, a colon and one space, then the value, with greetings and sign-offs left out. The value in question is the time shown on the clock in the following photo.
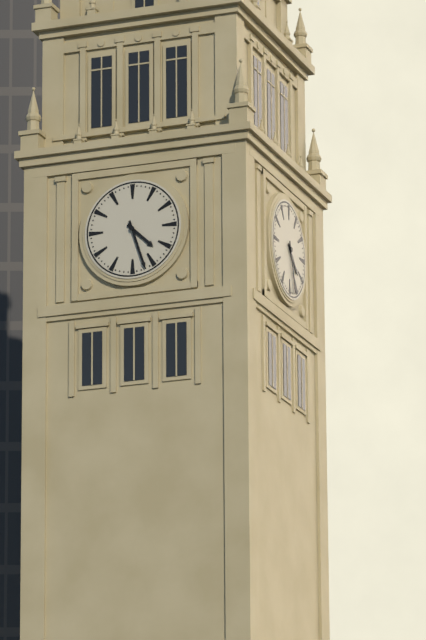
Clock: 4:27
